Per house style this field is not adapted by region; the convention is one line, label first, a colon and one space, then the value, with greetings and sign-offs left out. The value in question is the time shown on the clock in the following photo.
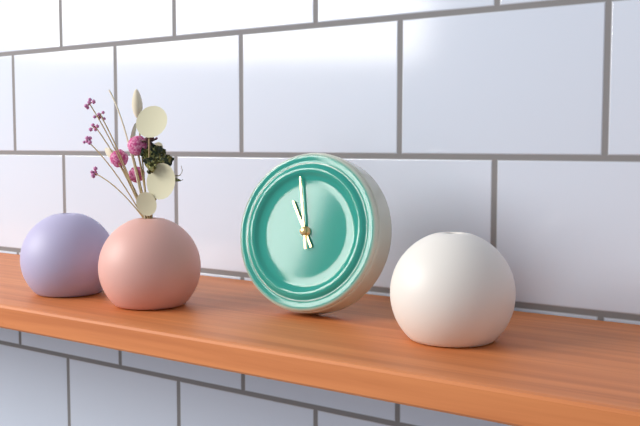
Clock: 10:58
